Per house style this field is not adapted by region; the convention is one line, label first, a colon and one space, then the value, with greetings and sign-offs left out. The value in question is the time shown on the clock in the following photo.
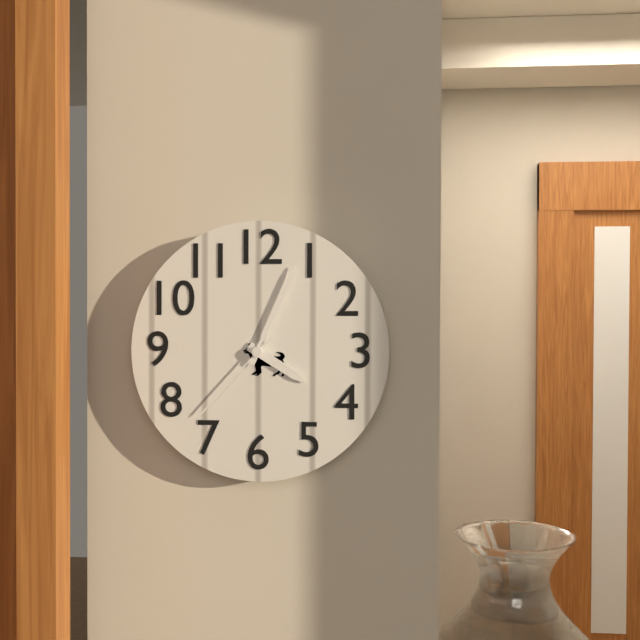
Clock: 4:04:37
